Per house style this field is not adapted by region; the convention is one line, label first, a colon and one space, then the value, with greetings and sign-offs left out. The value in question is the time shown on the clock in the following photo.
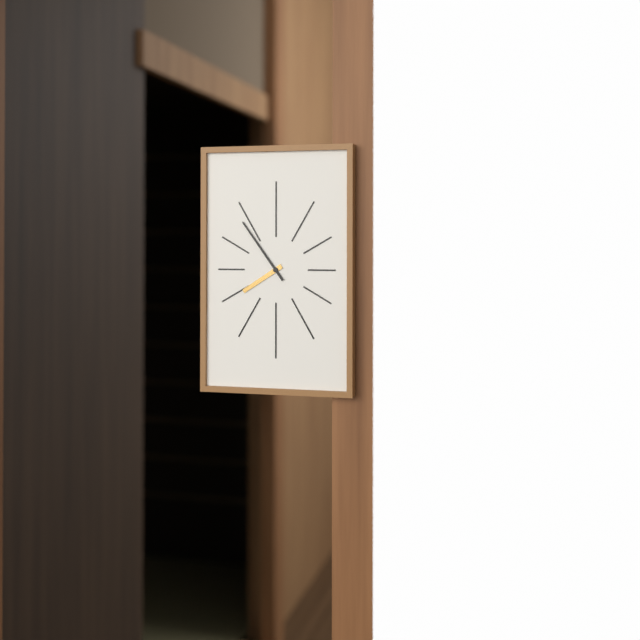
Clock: 7:54
